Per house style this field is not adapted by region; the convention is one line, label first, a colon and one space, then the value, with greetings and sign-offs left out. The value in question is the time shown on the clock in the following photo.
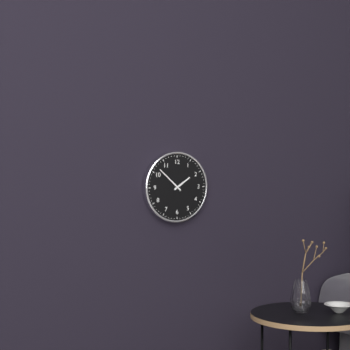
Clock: 1:52
